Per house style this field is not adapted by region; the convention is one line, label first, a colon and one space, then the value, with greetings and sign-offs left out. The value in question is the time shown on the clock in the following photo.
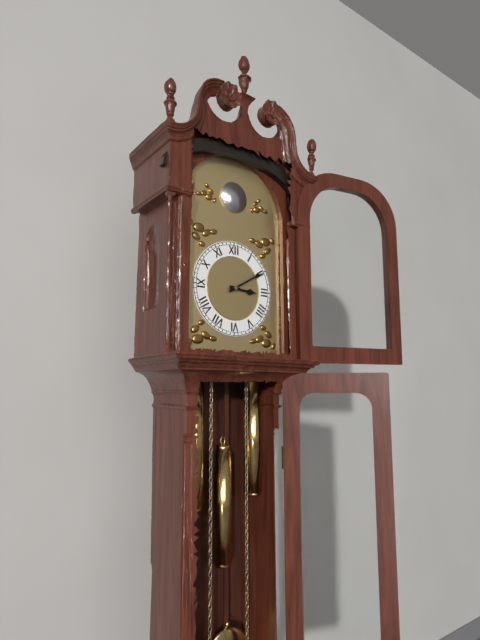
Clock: 3:10
